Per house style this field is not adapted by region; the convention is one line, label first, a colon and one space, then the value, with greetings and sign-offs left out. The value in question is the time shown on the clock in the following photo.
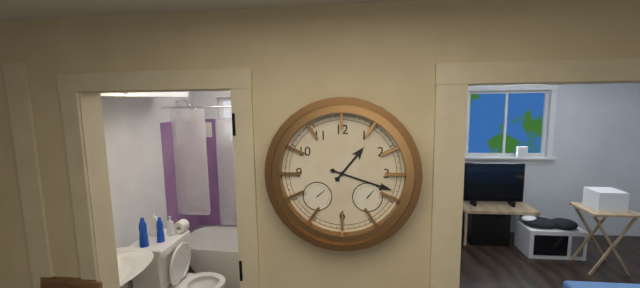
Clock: 1:18
